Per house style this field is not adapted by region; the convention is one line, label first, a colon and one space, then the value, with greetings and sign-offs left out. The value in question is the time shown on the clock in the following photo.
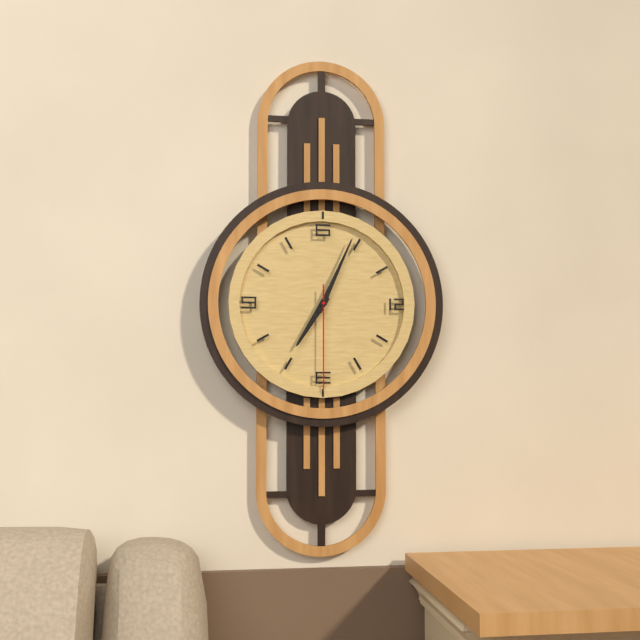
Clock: 7:04:30
